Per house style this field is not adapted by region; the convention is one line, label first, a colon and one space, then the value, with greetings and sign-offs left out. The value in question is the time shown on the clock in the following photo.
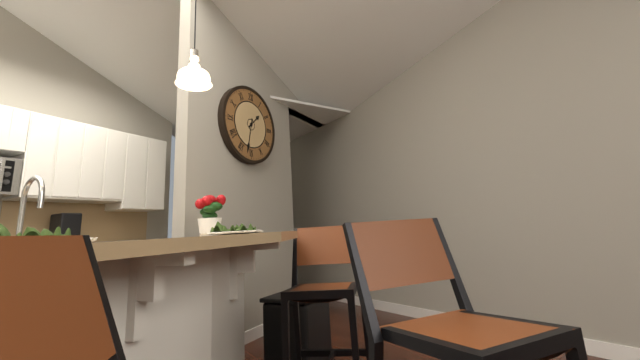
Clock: 1:32
